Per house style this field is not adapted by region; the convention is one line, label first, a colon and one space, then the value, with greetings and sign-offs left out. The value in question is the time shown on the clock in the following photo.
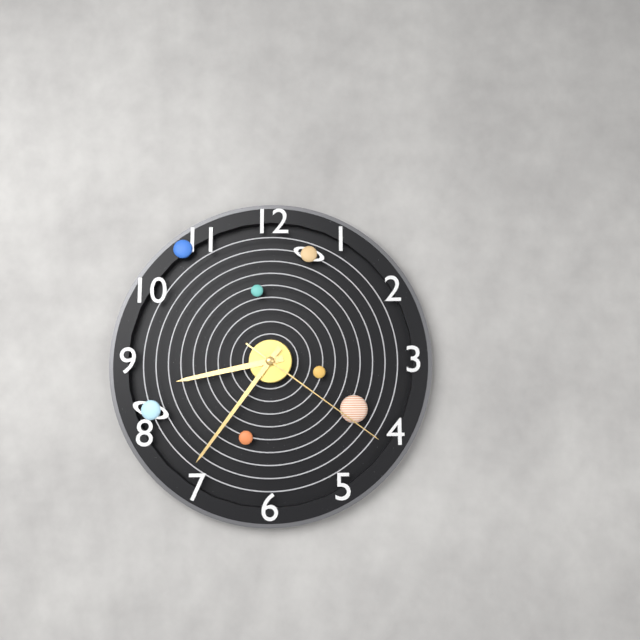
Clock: 8:36:21
